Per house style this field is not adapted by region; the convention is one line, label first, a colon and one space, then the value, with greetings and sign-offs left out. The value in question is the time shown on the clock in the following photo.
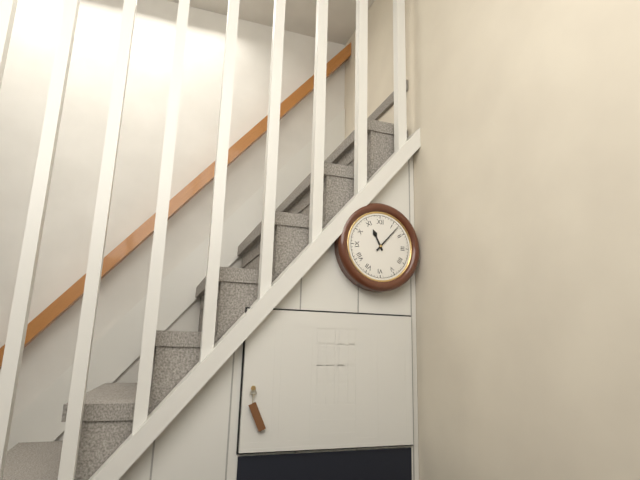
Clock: 11:07
